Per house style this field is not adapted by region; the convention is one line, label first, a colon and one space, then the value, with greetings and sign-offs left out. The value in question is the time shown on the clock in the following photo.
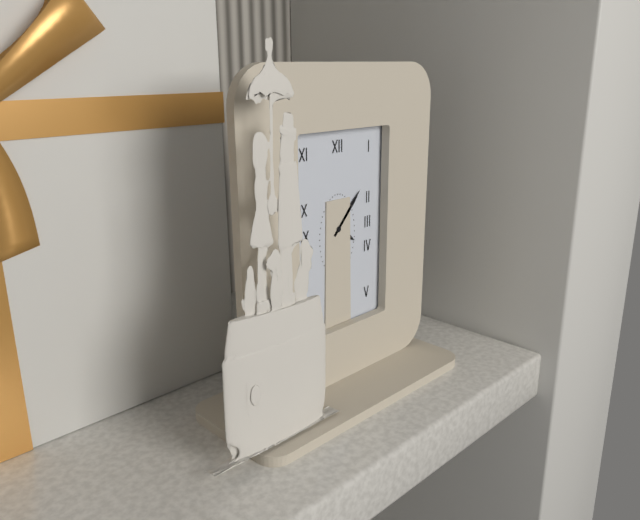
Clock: 4:07
